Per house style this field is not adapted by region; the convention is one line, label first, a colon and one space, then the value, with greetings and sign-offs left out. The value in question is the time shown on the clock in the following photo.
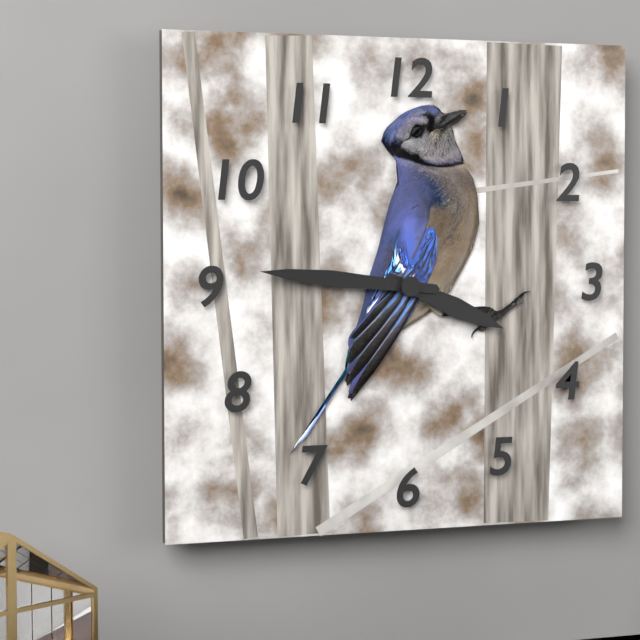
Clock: 3:46
